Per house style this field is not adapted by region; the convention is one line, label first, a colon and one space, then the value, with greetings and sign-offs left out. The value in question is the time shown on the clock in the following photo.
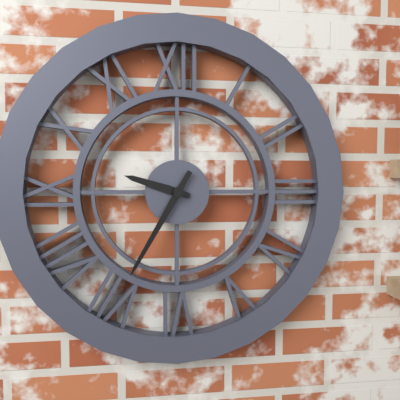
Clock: 9:35
